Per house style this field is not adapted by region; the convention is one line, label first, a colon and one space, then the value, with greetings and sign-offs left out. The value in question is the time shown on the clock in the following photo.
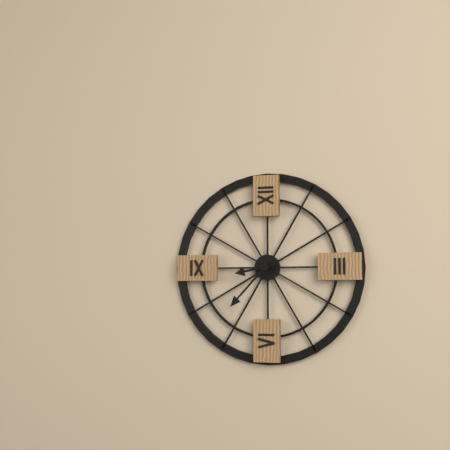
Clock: 8:37
